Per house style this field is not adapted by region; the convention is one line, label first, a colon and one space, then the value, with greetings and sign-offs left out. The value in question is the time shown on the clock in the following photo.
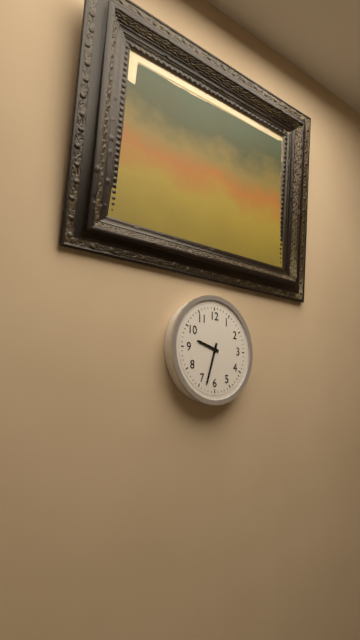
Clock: 9:33
